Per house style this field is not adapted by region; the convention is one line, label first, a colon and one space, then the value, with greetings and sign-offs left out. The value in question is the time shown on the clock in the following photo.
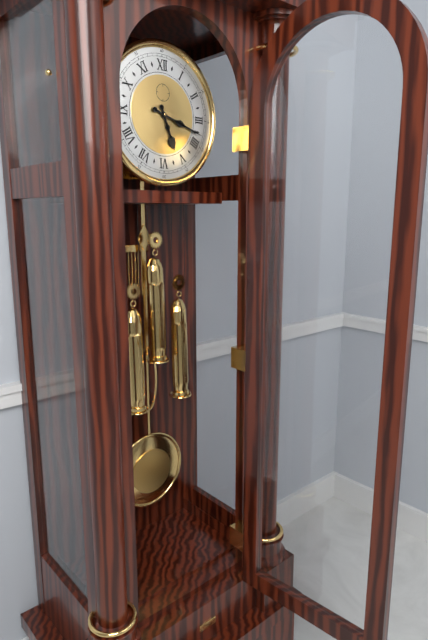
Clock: 5:18
